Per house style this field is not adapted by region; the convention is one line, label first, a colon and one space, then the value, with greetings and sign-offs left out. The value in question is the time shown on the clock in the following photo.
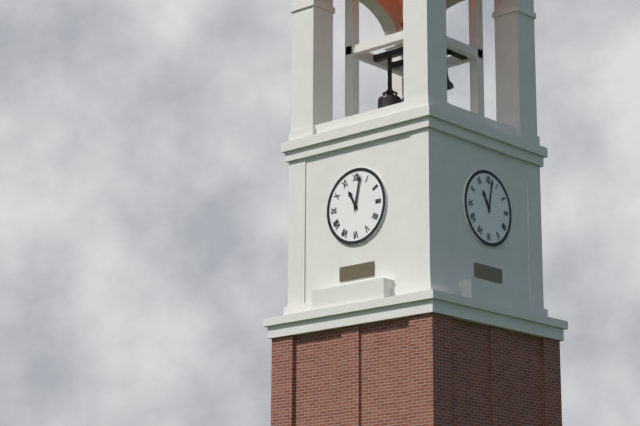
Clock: 11:02
